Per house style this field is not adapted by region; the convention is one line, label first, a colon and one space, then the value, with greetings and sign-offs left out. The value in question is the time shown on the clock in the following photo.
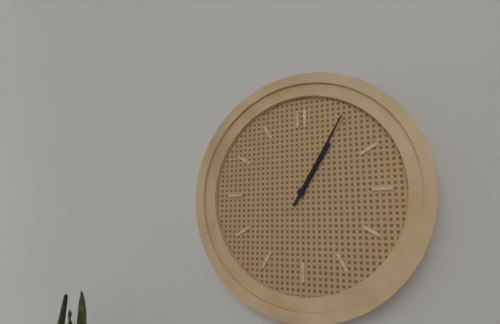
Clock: 1:05
